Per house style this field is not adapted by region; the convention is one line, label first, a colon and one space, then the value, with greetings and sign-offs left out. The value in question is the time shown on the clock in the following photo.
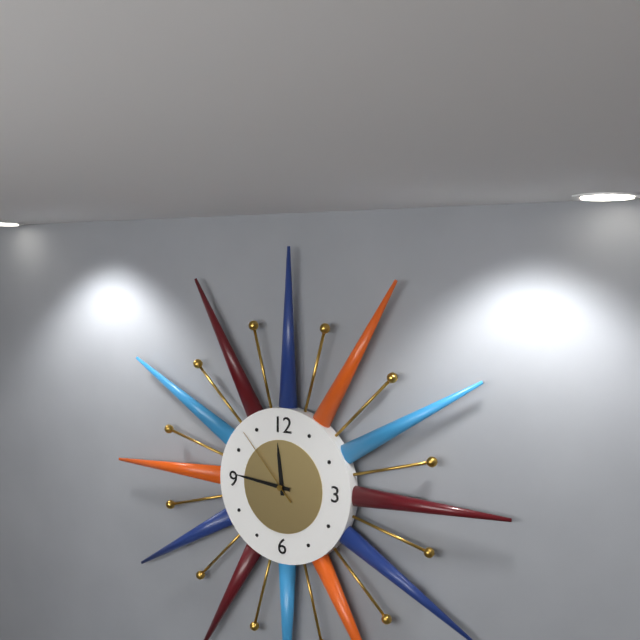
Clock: 11:46:53
